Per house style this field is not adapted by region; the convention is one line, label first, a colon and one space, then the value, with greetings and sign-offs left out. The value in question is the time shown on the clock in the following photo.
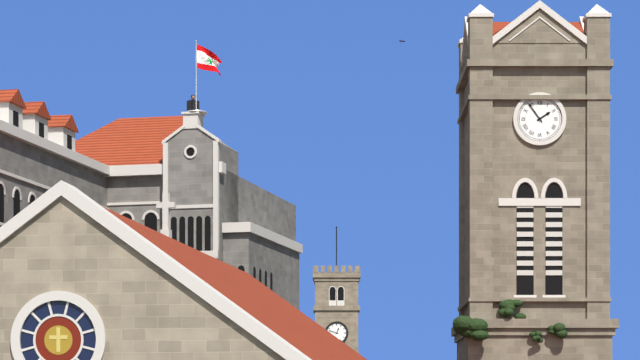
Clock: 1:54
